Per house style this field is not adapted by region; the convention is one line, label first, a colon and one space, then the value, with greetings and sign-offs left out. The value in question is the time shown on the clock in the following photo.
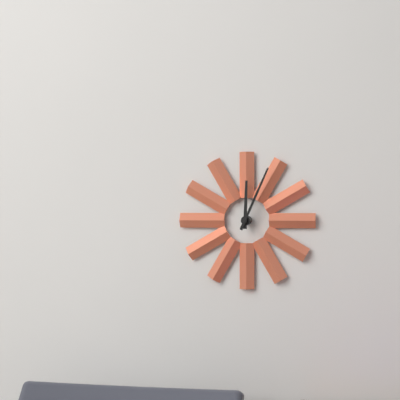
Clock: 12:04
